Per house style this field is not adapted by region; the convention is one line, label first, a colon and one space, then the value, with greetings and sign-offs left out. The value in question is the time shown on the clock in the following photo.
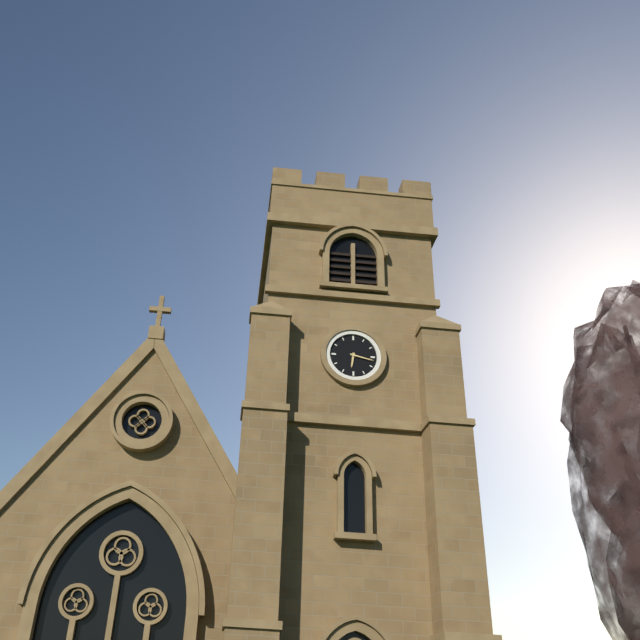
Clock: 6:17
